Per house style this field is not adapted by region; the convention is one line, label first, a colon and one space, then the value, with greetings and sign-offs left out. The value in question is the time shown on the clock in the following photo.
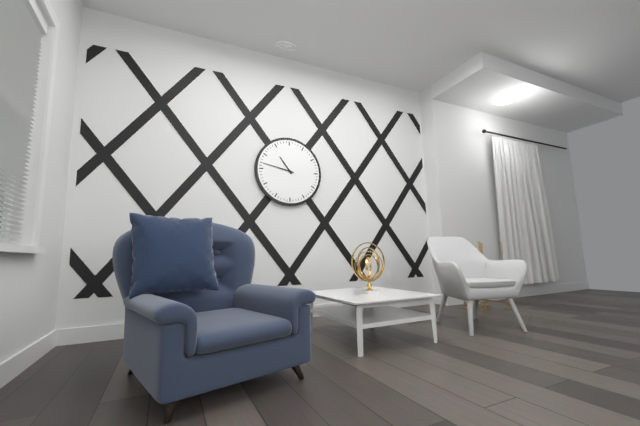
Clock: 10:47
